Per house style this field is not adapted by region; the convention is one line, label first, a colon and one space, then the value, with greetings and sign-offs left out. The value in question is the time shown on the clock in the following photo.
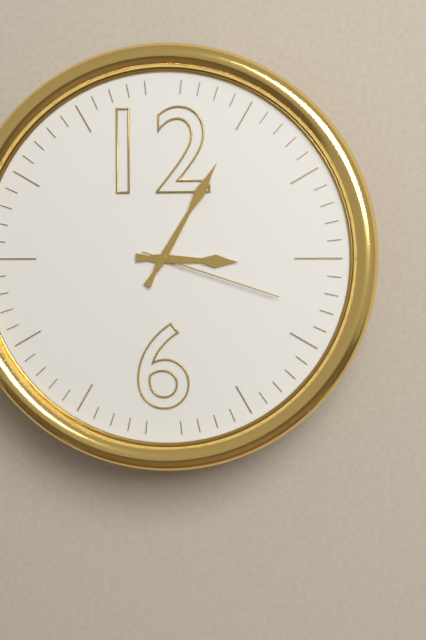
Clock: 3:05:18
